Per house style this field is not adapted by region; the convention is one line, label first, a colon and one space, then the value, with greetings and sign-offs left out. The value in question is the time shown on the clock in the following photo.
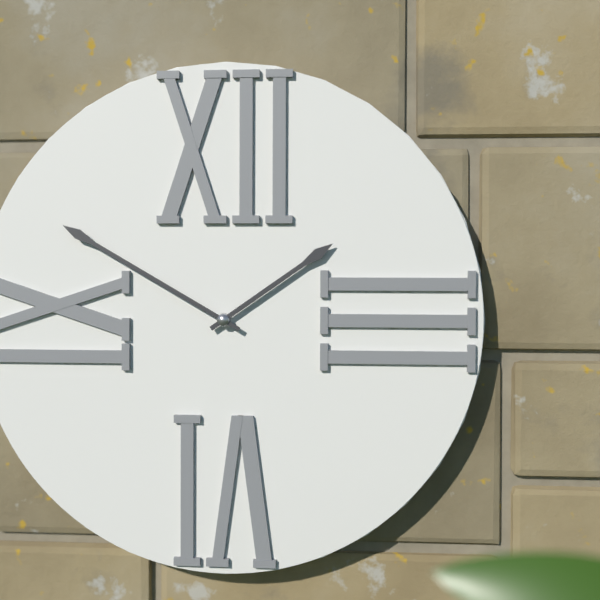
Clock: 1:50
